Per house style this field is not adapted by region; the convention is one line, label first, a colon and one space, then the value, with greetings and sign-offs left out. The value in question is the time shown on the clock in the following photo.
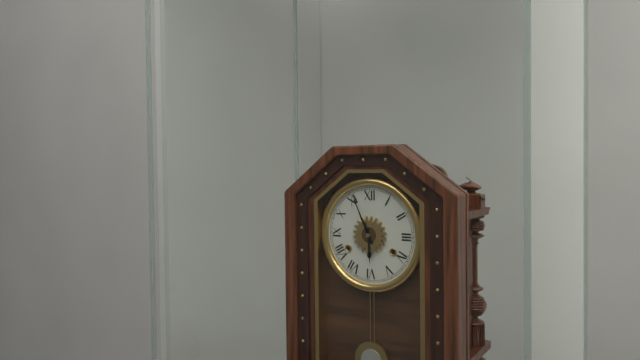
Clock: 5:56
